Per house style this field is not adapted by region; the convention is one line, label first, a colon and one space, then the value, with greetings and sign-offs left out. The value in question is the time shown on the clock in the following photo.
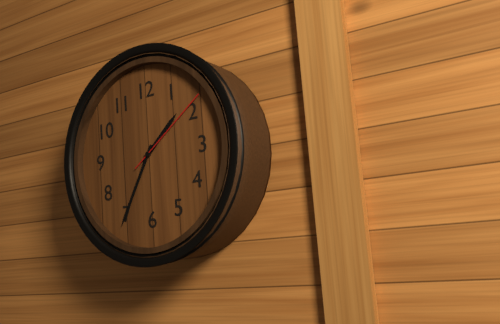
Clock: 1:35:09
